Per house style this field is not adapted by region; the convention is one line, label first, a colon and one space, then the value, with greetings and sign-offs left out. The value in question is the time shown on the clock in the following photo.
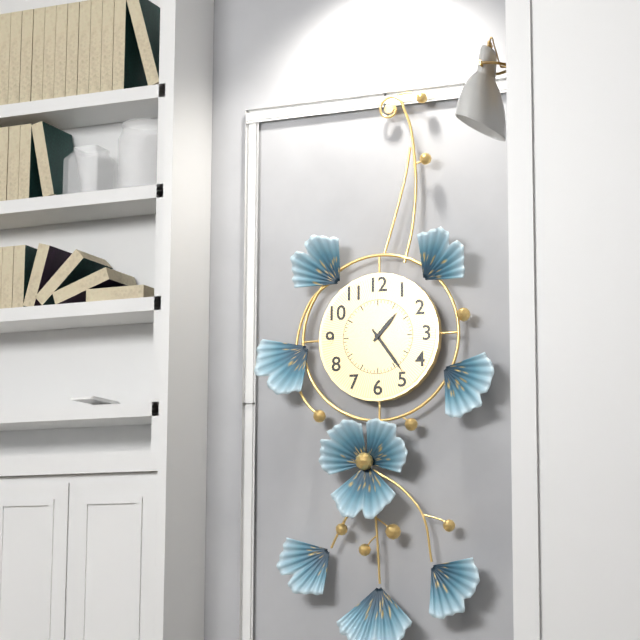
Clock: 1:24
